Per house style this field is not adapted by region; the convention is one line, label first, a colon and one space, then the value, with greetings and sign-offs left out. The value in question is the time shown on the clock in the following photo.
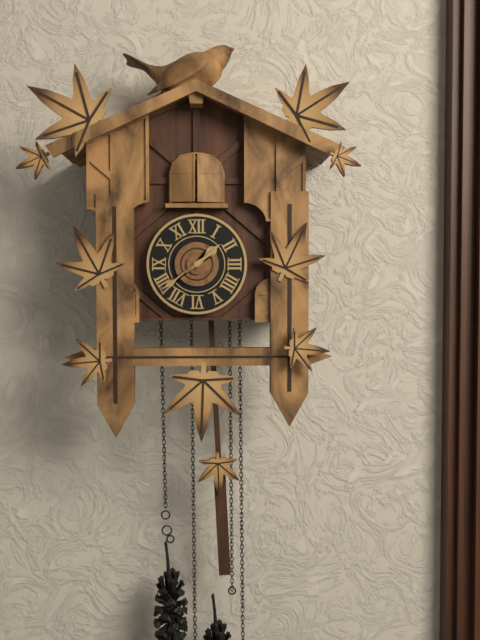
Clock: 1:39
